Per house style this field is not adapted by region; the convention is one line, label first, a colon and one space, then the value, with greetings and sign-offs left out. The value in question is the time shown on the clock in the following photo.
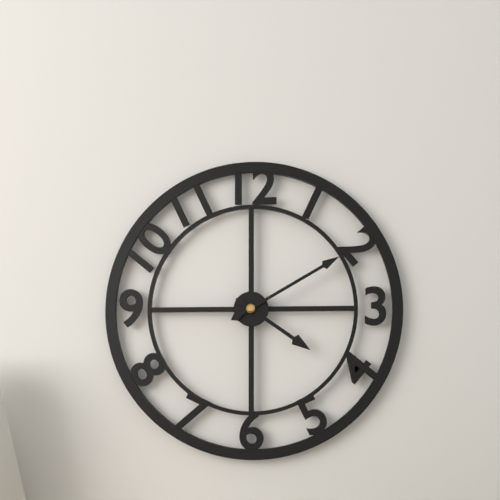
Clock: 4:10
